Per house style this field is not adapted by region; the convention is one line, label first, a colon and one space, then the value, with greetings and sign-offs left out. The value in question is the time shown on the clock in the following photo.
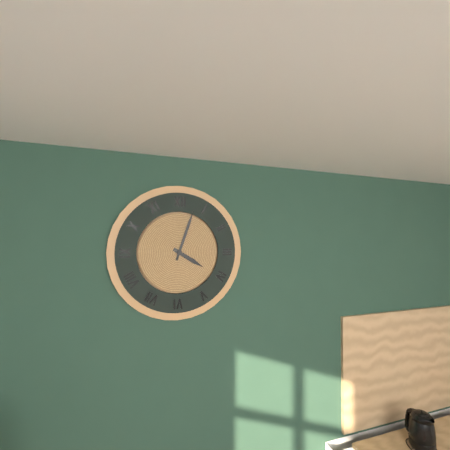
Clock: 4:03
